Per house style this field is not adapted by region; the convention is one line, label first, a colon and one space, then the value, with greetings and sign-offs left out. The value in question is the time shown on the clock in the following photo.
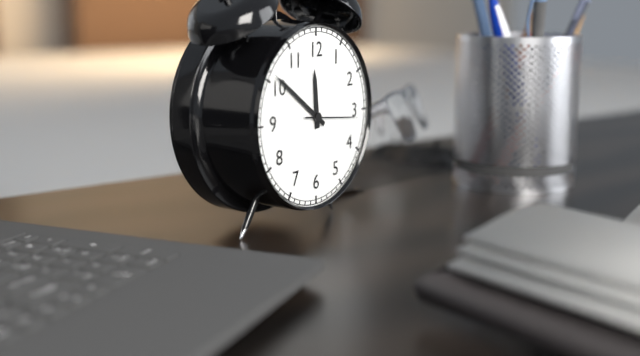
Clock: 11:51:16
